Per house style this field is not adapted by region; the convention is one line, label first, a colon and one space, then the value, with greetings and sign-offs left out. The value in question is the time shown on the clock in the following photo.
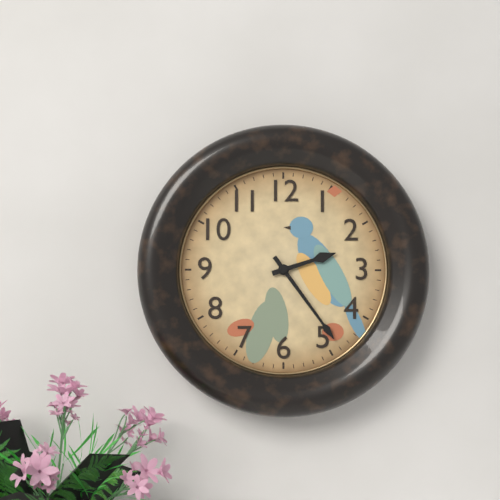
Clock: 2:24
